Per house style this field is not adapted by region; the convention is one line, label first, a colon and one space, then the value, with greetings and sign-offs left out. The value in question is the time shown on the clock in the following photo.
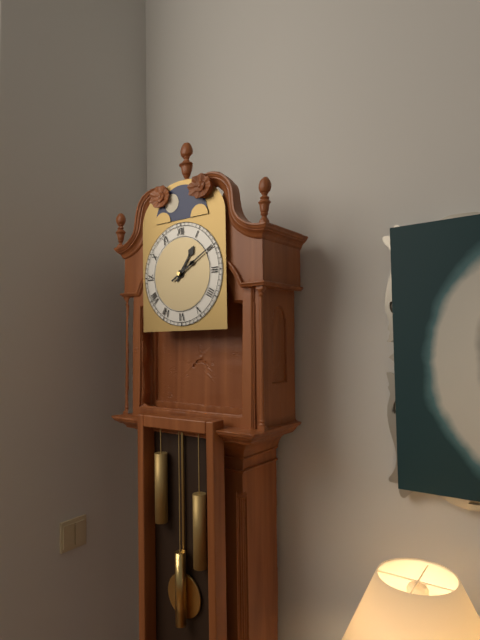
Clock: 1:10
